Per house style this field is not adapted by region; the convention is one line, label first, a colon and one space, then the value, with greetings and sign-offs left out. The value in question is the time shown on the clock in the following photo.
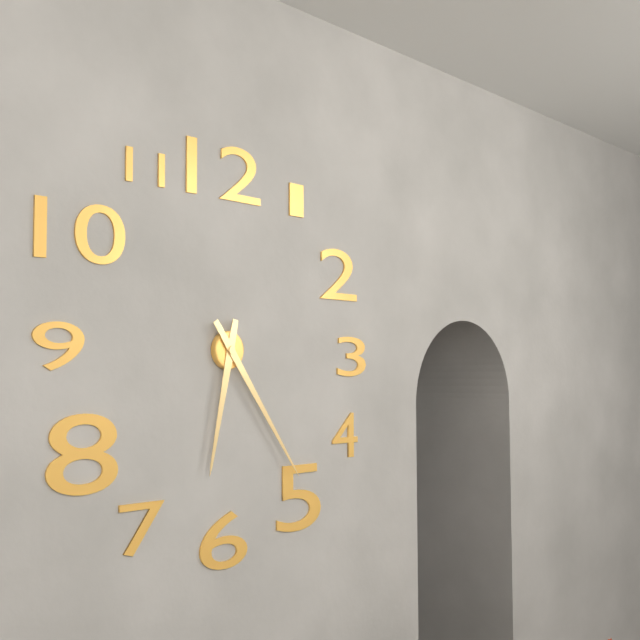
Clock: 6:24
